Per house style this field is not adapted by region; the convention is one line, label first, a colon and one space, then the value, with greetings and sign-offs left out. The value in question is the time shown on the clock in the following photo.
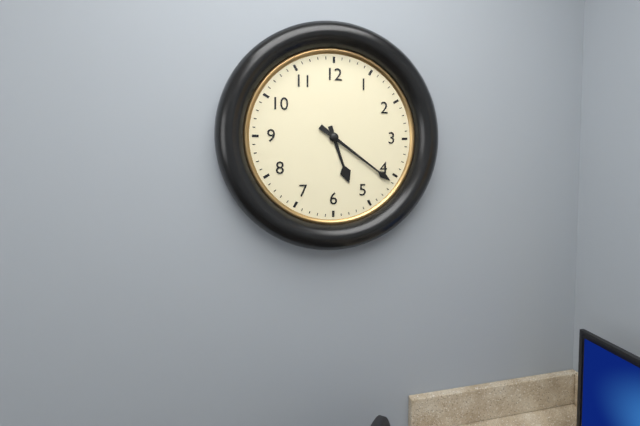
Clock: 5:21
